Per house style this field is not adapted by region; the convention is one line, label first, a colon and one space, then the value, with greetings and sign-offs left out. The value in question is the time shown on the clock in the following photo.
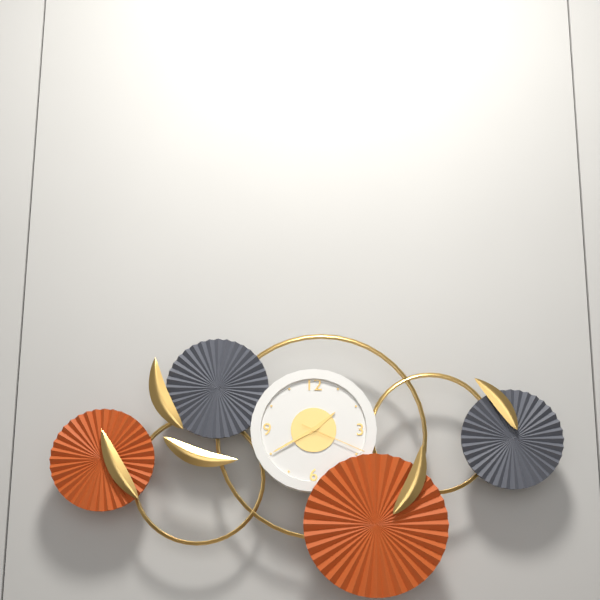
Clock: 1:40:19
